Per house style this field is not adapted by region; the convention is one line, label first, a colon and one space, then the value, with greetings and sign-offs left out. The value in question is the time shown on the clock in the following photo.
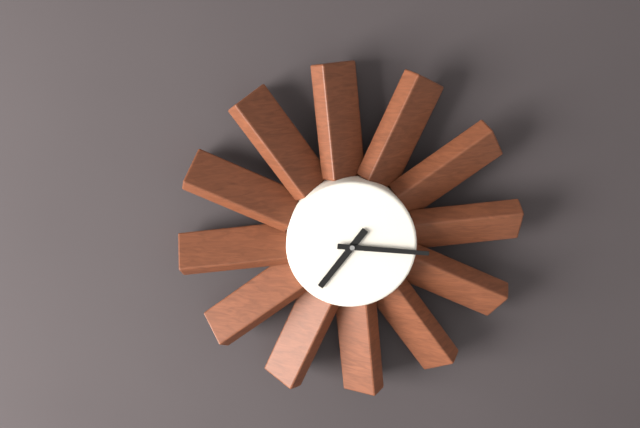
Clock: 7:16
